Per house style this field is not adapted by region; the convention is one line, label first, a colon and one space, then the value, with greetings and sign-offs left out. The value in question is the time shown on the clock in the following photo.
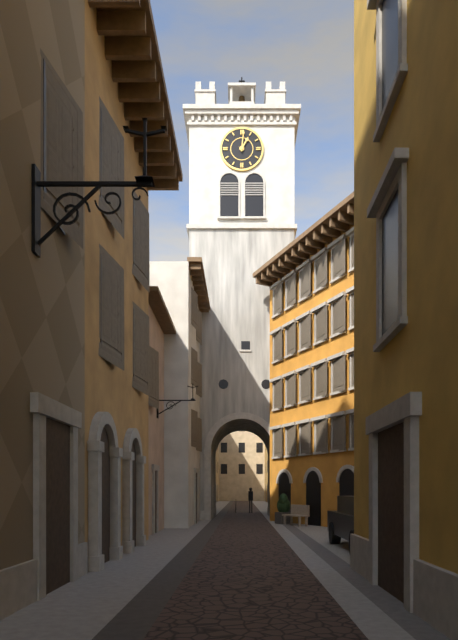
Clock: 1:01
